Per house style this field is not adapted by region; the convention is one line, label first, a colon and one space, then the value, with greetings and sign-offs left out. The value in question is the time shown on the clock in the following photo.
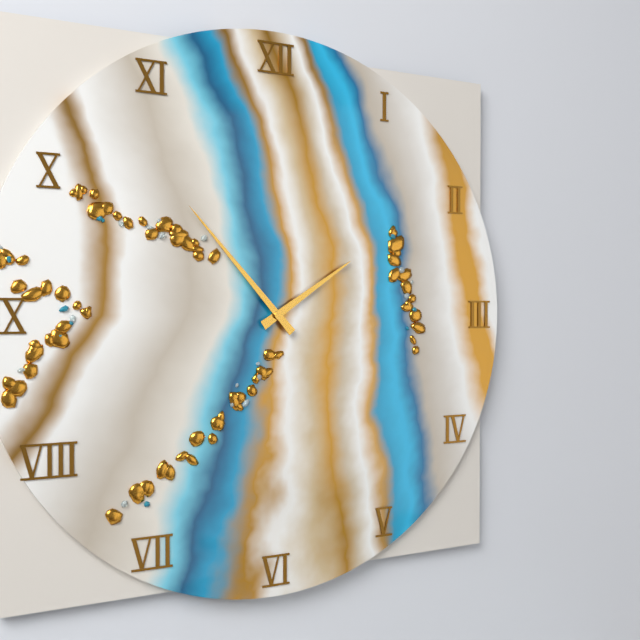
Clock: 1:53
